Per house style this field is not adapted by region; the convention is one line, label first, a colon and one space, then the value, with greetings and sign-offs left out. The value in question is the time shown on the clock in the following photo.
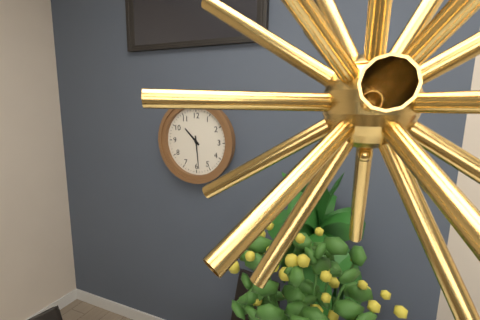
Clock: 10:29
